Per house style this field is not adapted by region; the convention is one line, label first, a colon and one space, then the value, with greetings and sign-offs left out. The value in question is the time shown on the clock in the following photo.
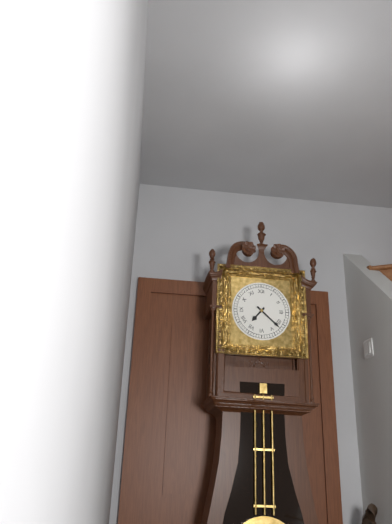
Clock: 7:22
